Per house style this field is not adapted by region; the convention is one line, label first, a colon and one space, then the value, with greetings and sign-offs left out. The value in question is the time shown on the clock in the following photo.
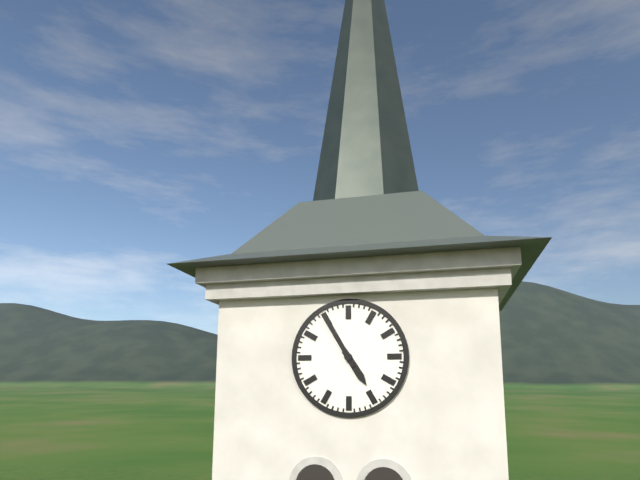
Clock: 4:55
